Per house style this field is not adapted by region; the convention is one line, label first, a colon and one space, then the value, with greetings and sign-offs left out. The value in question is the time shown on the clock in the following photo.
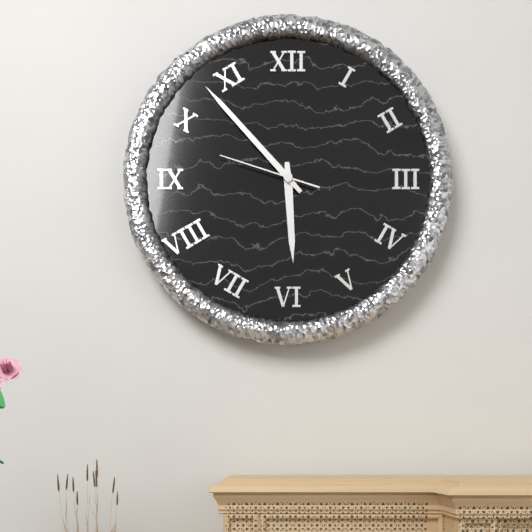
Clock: 5:53:48
